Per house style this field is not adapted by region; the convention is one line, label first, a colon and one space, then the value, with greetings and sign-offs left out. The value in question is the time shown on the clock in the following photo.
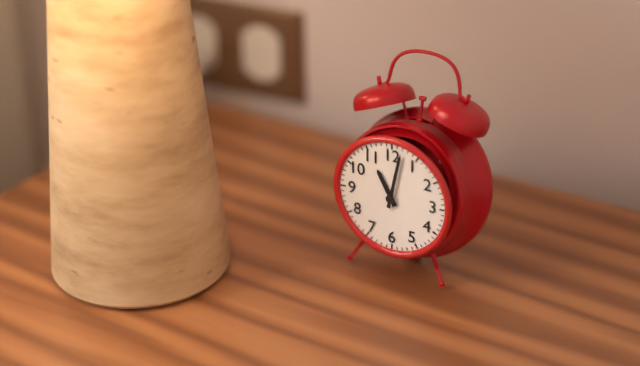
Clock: 11:02
